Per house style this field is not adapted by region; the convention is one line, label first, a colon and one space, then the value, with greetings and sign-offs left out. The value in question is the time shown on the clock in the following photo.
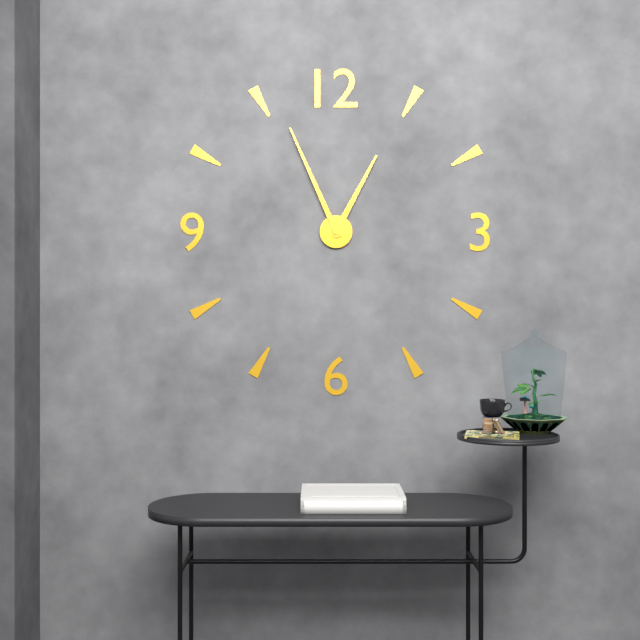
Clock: 12:56
